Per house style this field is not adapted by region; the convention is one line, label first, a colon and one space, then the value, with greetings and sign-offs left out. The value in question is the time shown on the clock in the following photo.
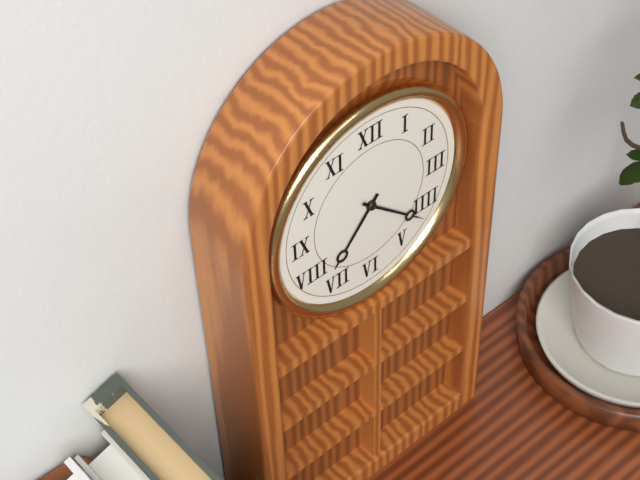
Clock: 7:22
